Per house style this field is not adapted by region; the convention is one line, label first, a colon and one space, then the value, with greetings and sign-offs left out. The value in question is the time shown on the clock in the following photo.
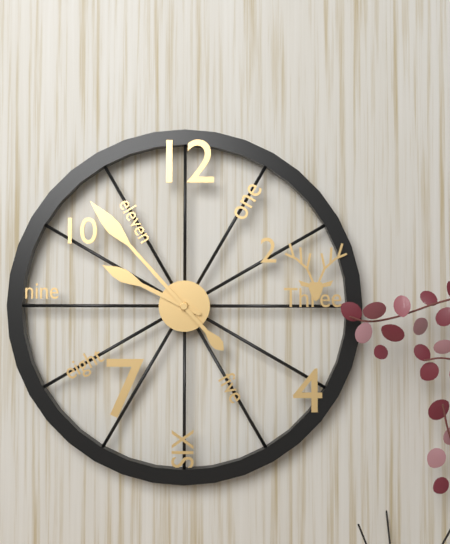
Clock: 9:53
